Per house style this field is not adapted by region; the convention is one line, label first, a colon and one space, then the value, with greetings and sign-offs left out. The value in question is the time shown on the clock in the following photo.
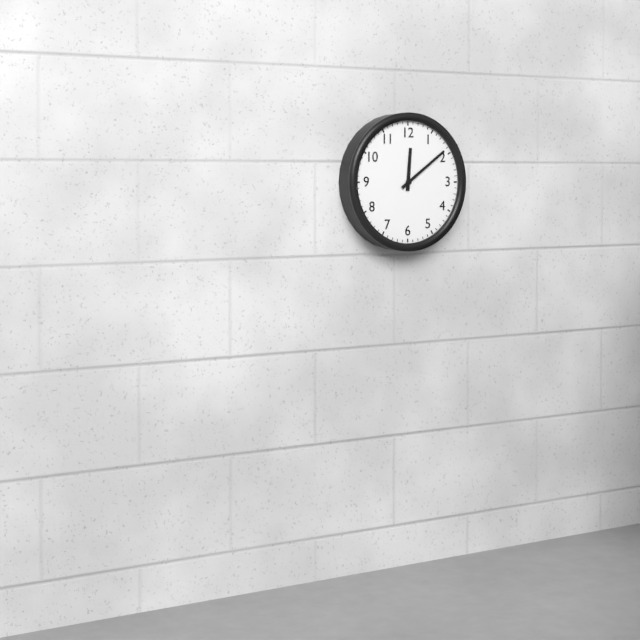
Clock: 12:09
